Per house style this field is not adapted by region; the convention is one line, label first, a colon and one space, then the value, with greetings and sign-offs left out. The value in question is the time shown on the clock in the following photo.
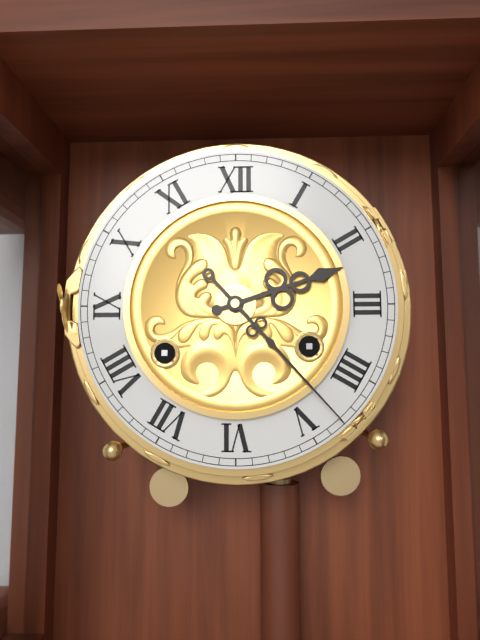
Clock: 2:23
